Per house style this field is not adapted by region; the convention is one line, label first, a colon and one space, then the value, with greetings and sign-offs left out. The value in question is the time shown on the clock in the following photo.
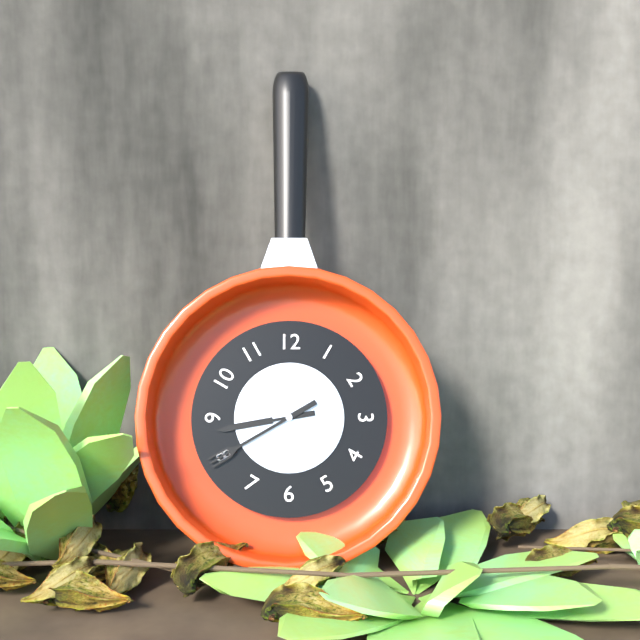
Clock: 8:40
